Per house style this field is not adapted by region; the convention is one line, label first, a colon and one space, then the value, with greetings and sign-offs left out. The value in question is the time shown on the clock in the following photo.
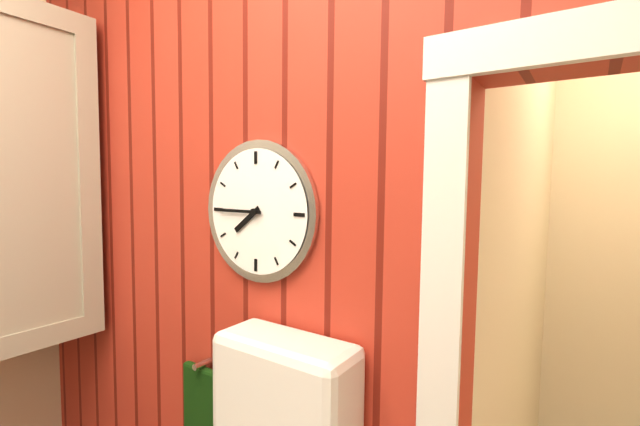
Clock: 7:45
